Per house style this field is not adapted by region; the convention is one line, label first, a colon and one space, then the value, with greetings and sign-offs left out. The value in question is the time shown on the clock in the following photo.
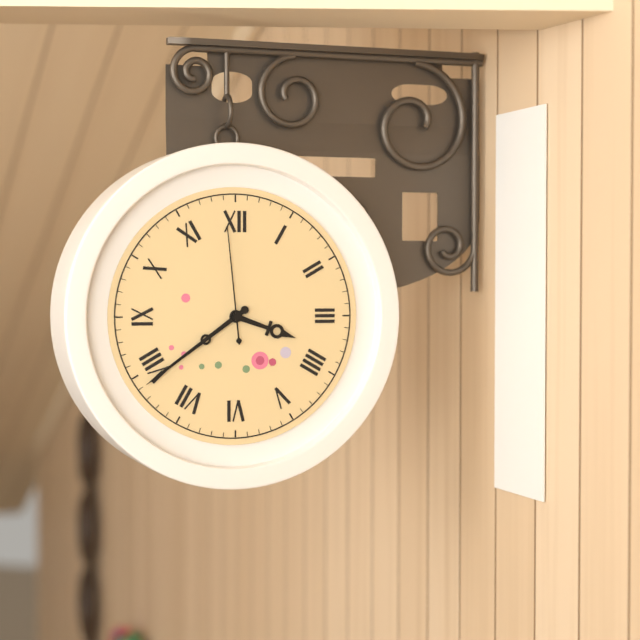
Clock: 3:39:59
